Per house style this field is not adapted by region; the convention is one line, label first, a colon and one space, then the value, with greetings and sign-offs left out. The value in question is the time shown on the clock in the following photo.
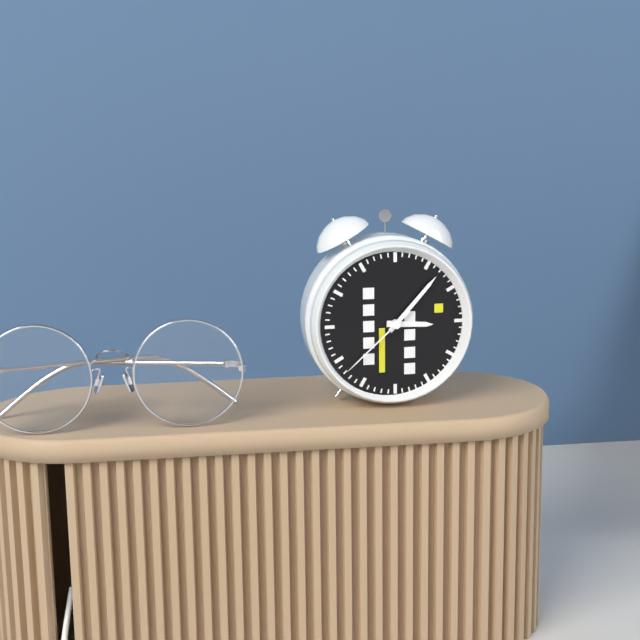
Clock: 3:07:38
